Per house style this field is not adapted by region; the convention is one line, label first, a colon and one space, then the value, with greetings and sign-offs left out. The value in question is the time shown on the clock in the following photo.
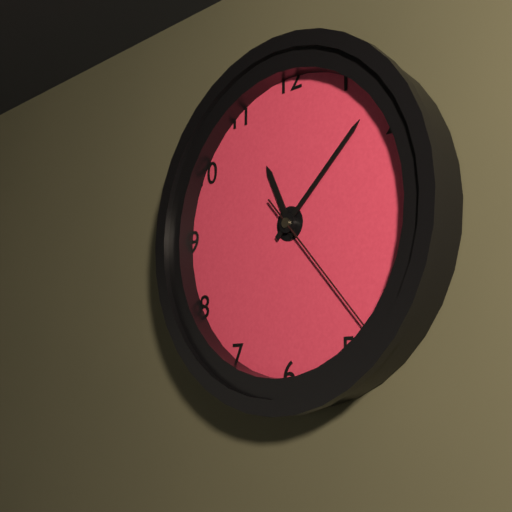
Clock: 11:08:23
